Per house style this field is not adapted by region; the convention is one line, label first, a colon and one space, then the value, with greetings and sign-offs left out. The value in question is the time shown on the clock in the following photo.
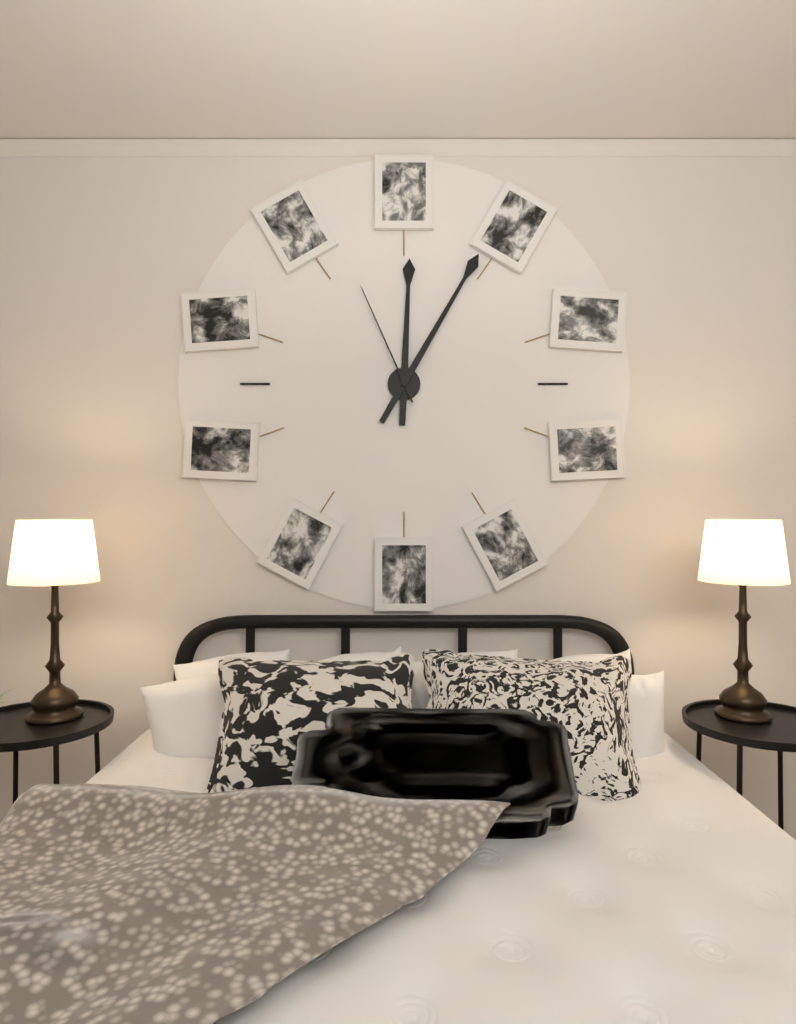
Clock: 12:05:56
